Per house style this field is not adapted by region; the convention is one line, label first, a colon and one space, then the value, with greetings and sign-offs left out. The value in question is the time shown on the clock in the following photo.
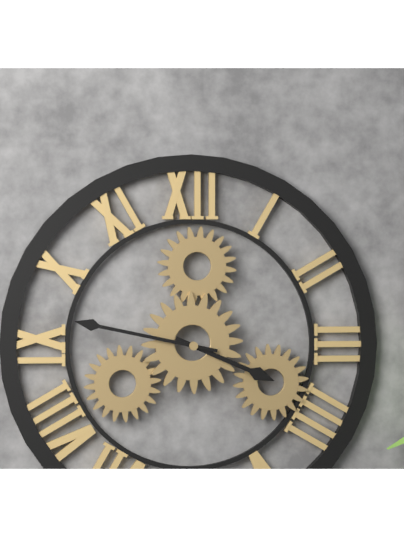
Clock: 3:47
